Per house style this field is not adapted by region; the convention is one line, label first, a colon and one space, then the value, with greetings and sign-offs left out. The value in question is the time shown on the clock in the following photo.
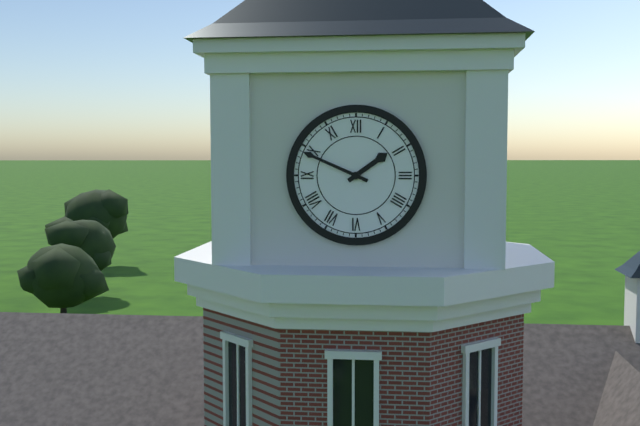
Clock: 1:49
